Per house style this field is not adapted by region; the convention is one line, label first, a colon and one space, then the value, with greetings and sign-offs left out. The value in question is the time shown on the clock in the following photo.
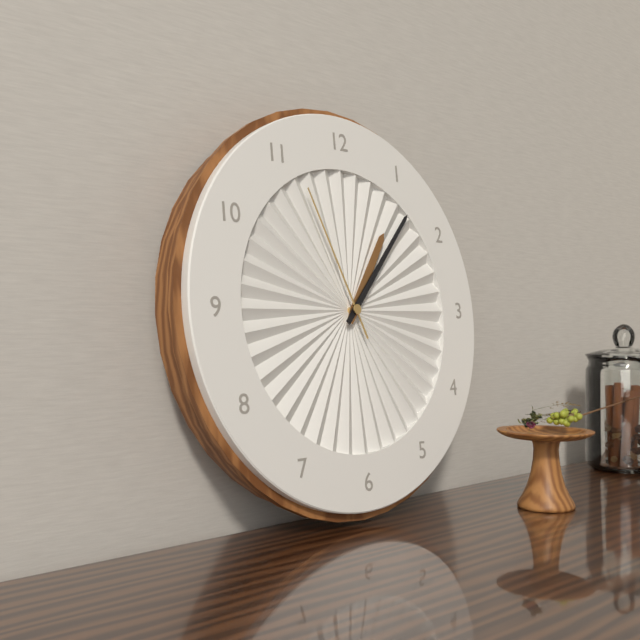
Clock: 1:07:56
